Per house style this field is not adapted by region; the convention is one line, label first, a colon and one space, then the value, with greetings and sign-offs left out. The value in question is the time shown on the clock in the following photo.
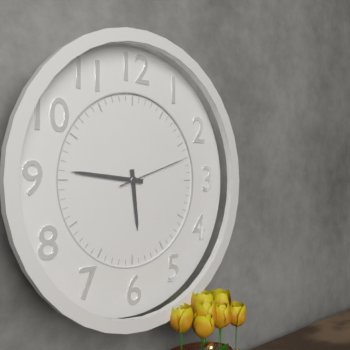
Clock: 5:46:12
